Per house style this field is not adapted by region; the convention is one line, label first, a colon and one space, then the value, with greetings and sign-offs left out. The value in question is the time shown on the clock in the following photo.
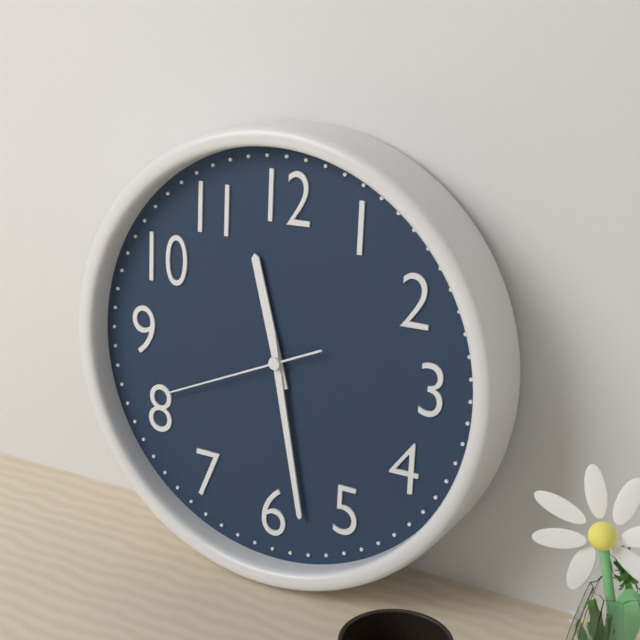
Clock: 11:28:41
